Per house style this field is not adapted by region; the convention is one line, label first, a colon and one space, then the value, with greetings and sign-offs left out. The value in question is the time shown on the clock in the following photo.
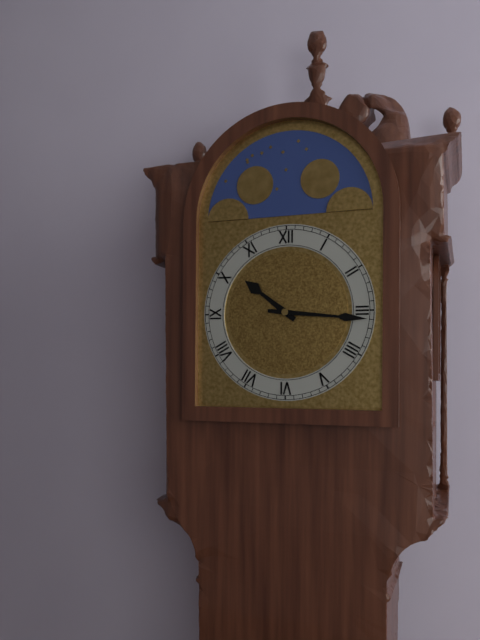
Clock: 10:16
